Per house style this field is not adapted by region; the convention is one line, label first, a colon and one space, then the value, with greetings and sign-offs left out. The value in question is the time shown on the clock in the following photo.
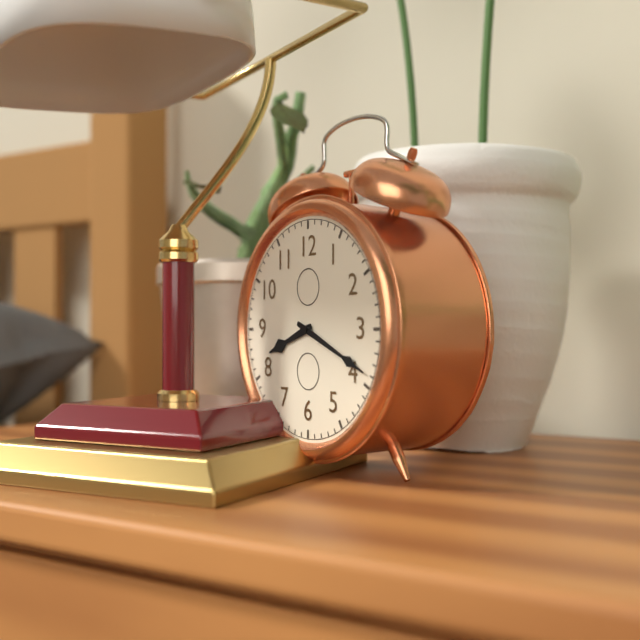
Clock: 8:19
